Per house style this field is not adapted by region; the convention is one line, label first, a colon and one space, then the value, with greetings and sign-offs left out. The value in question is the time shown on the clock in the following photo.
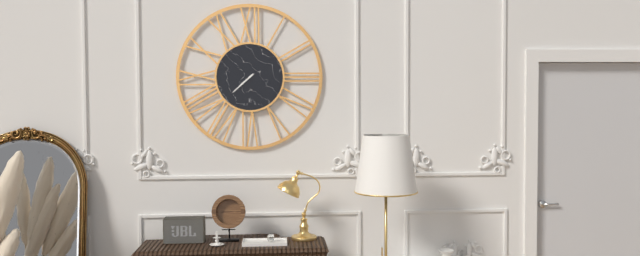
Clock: 7:38
